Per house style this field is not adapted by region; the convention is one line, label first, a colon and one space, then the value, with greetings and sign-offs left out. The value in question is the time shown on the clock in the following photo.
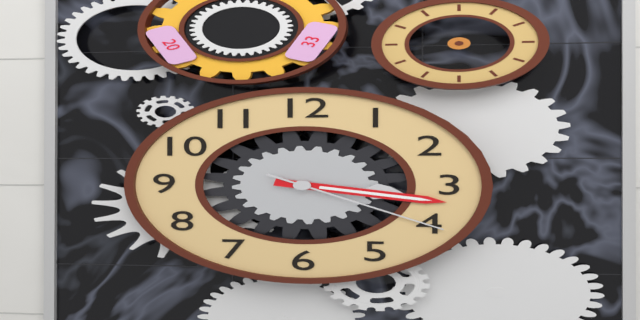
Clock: 3:17:20
